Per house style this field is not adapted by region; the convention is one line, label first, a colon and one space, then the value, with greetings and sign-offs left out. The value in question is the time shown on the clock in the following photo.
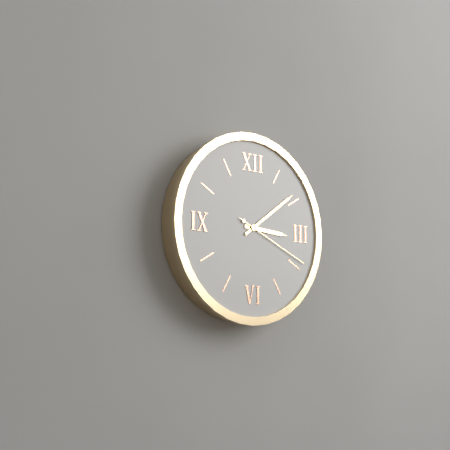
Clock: 3:09:19
